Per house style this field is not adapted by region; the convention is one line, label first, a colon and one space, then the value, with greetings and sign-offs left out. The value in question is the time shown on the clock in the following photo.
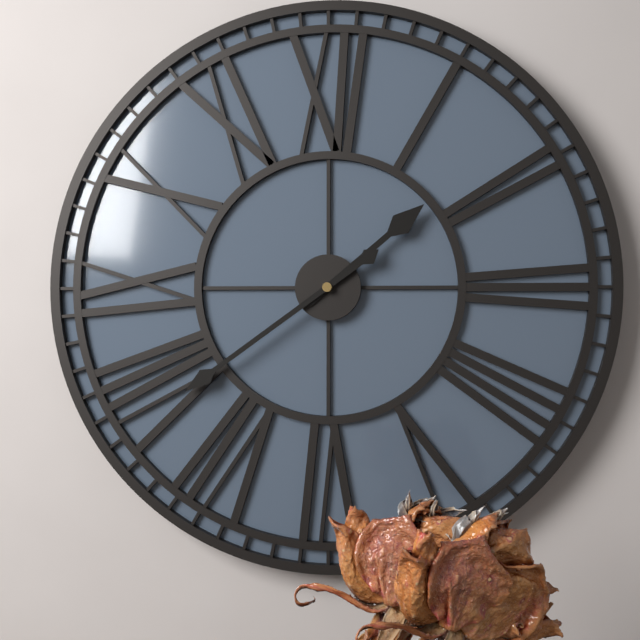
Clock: 1:39
